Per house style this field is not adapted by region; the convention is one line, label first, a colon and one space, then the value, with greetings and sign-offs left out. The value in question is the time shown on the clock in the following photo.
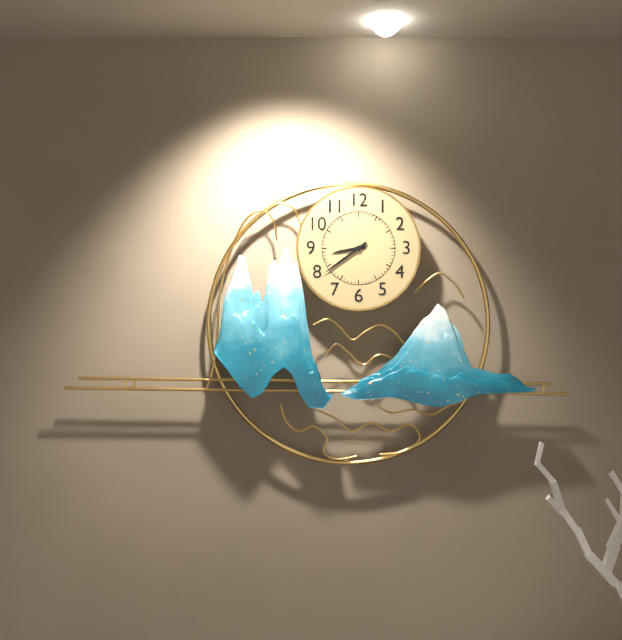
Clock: 8:39
